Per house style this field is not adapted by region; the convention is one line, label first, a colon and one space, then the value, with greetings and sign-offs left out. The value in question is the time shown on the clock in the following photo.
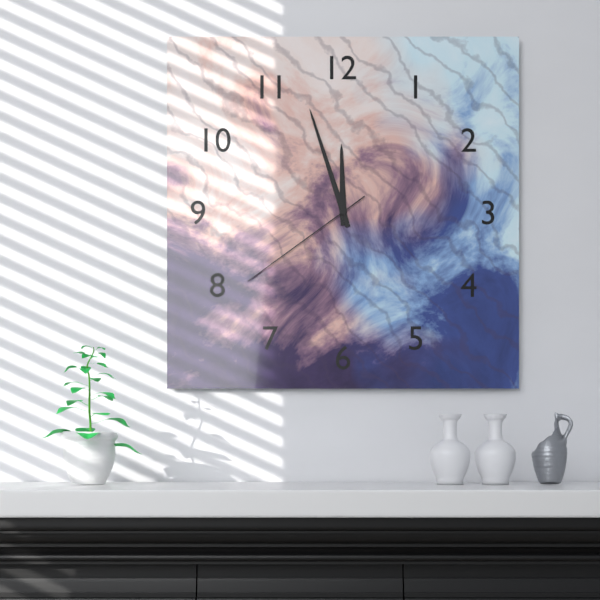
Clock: 11:57:39
